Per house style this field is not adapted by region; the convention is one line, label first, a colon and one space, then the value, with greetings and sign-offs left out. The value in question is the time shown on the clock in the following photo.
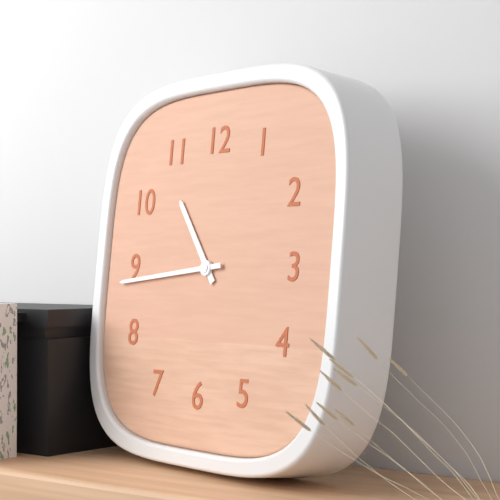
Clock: 10:44
